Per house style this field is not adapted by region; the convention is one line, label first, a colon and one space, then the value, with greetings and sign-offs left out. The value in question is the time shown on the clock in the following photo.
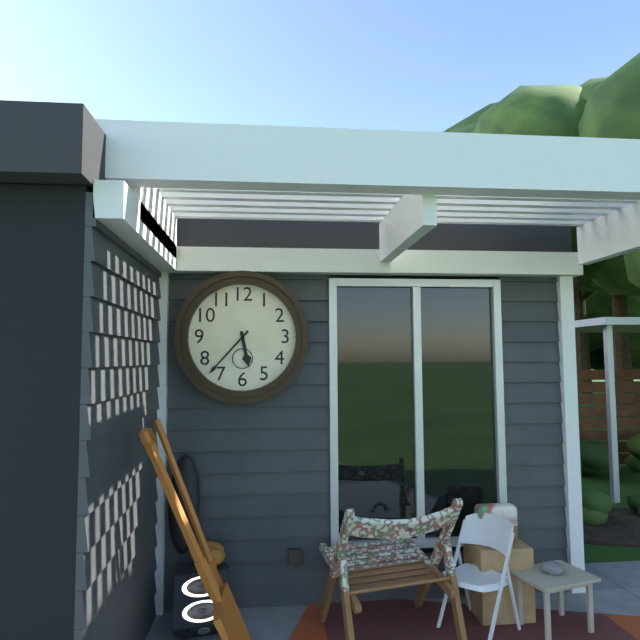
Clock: 5:37
